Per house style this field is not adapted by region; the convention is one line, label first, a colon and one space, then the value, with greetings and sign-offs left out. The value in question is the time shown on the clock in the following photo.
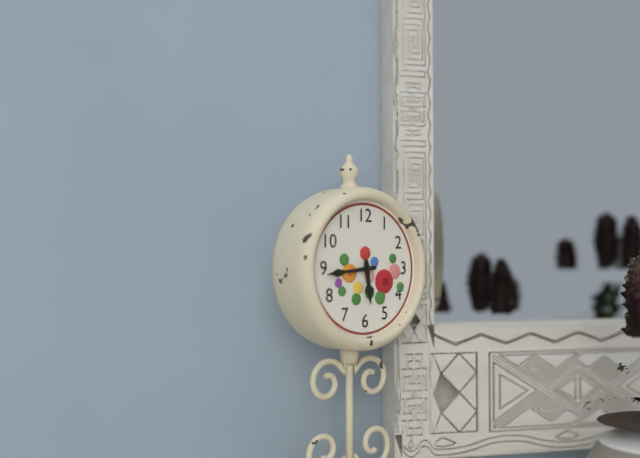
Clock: 5:44
